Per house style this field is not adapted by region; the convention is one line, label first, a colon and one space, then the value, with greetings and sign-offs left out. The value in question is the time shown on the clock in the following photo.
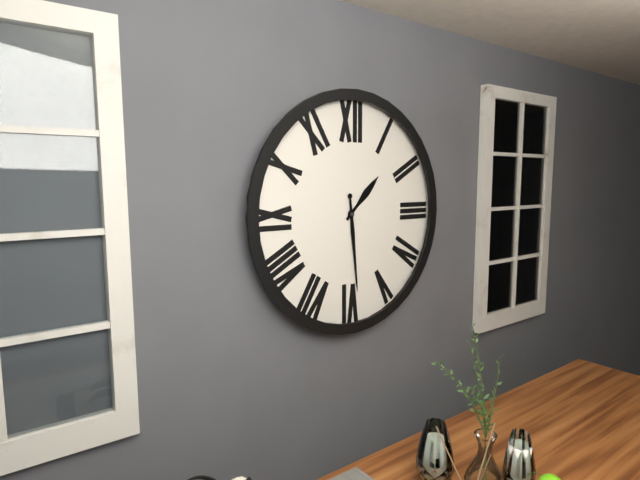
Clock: 1:29
